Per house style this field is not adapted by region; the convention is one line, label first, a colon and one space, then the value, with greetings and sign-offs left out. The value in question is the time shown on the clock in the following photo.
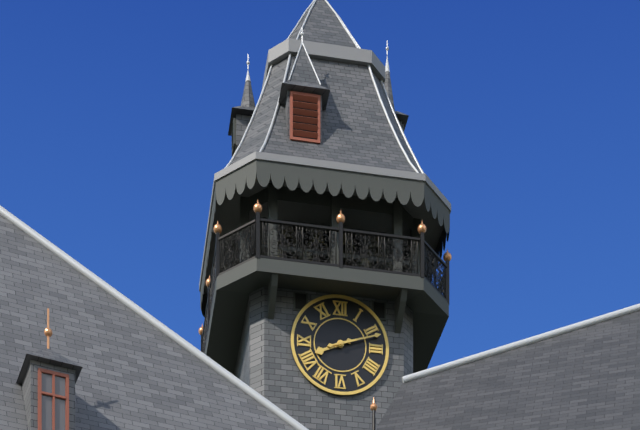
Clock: 8:12
